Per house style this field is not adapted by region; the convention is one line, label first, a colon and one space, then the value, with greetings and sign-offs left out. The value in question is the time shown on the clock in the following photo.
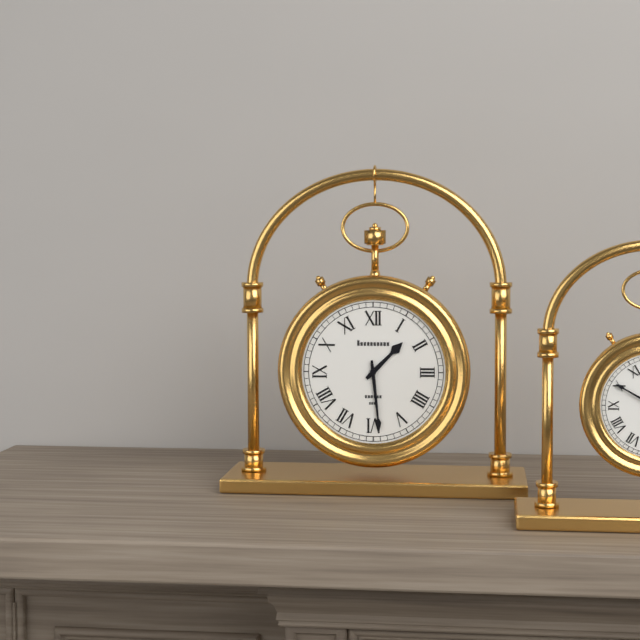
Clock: 1:29
